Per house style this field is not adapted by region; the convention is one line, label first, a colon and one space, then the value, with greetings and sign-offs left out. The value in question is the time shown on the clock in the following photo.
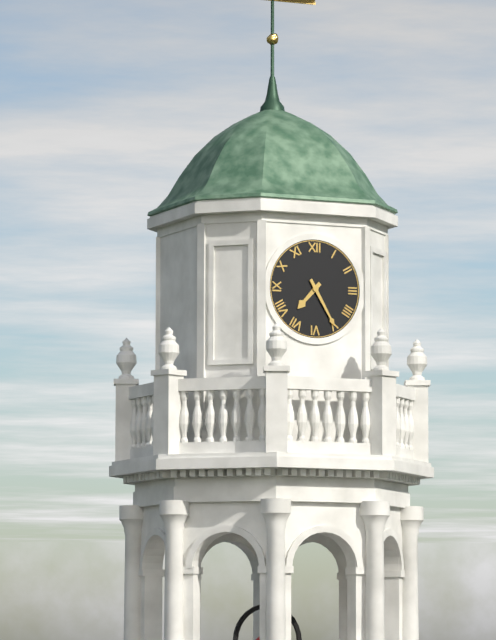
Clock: 7:25
